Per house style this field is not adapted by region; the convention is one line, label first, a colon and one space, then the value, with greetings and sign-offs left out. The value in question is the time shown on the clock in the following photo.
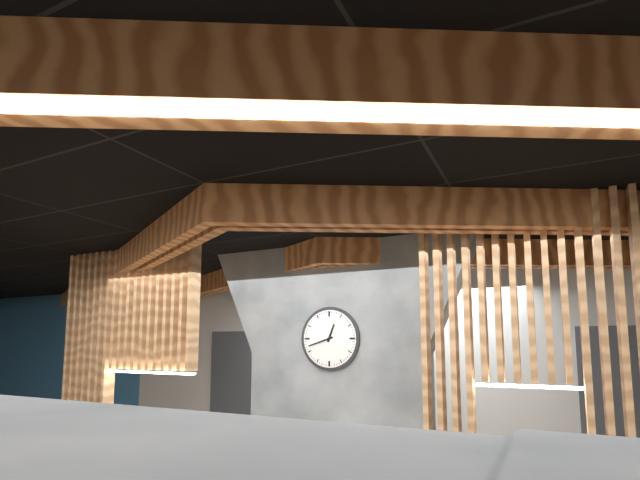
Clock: 12:42
